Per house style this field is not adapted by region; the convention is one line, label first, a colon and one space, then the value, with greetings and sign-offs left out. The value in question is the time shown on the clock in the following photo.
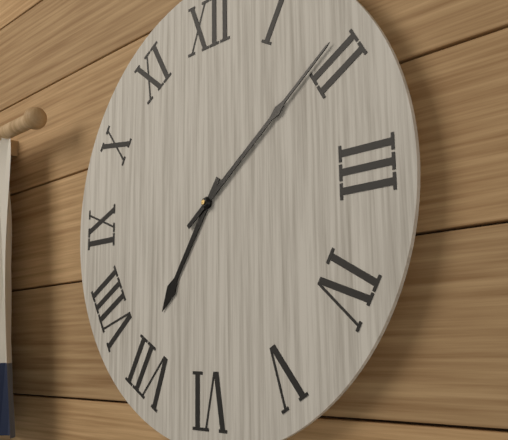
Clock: 7:09
